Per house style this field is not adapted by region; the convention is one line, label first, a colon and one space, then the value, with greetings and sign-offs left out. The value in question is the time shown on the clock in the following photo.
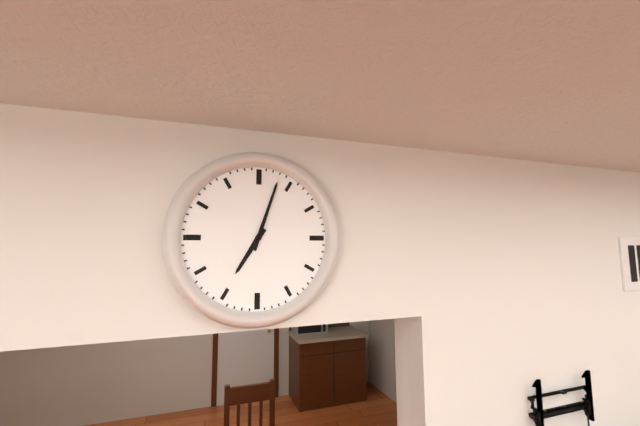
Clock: 7:03
